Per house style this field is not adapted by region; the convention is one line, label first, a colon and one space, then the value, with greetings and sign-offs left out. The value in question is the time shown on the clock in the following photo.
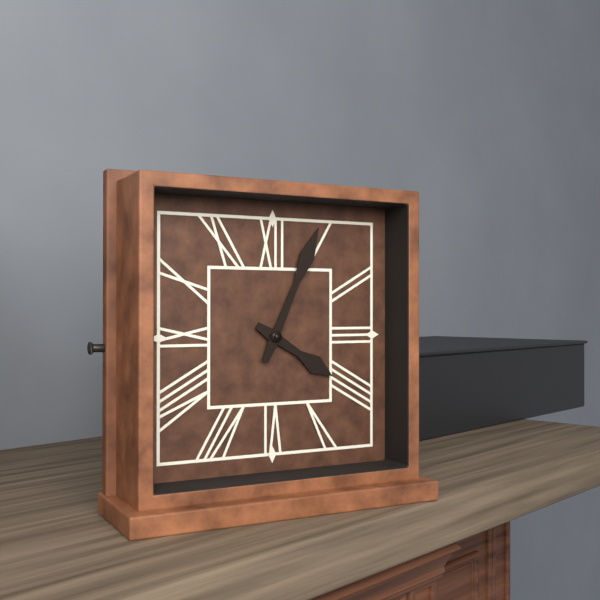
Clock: 4:04
